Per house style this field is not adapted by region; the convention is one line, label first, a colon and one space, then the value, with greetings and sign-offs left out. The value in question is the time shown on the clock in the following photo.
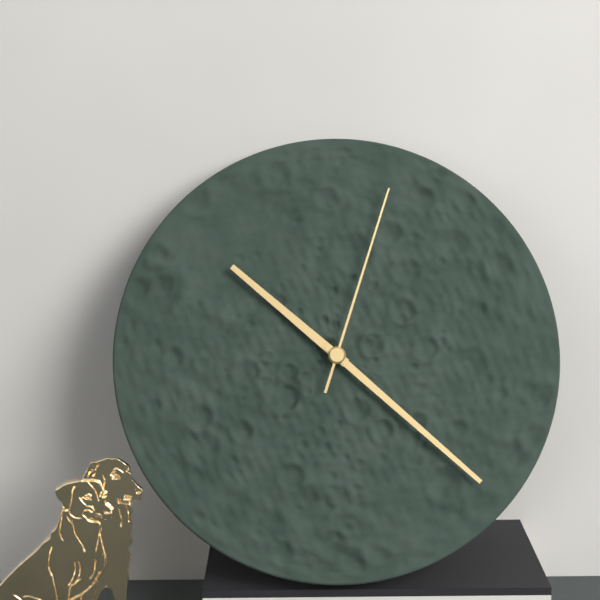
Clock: 10:22:03
